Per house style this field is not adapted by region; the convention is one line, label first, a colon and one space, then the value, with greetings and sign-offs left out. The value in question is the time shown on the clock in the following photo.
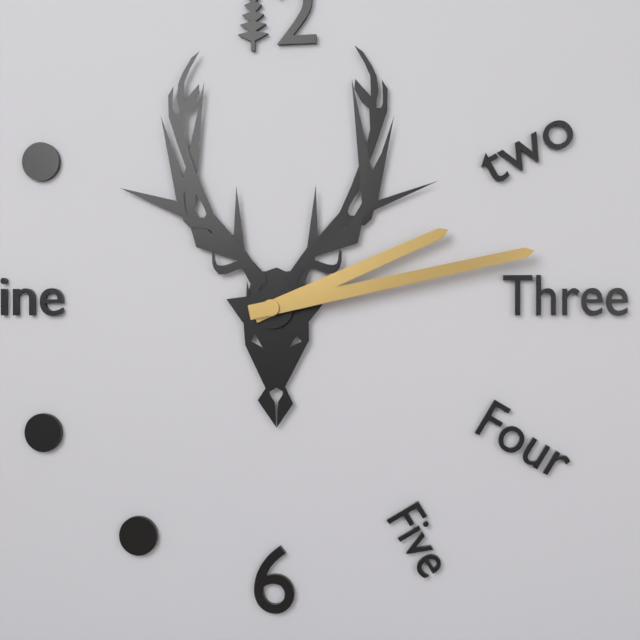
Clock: 2:13
